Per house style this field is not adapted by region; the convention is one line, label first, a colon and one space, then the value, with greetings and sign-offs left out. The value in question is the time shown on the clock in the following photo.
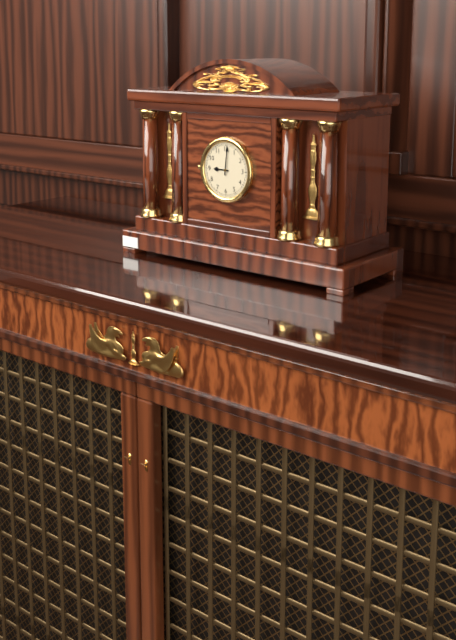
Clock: 9:01
